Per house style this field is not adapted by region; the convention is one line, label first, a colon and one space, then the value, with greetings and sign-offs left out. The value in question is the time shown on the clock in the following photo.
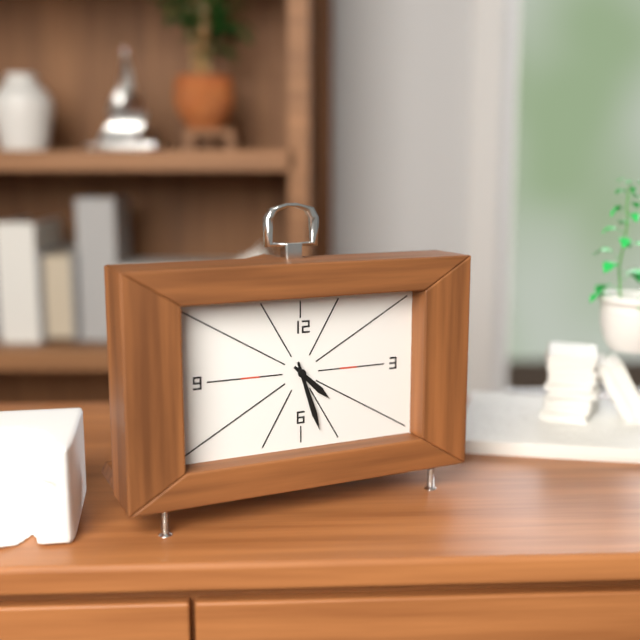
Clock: 4:27
